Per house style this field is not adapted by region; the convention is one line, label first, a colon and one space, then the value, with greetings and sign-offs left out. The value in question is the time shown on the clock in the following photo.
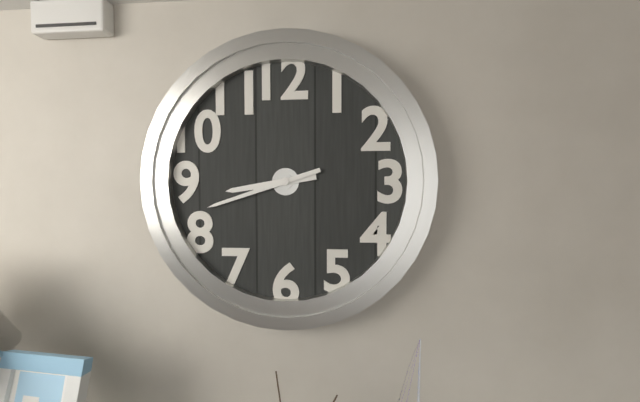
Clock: 8:42
